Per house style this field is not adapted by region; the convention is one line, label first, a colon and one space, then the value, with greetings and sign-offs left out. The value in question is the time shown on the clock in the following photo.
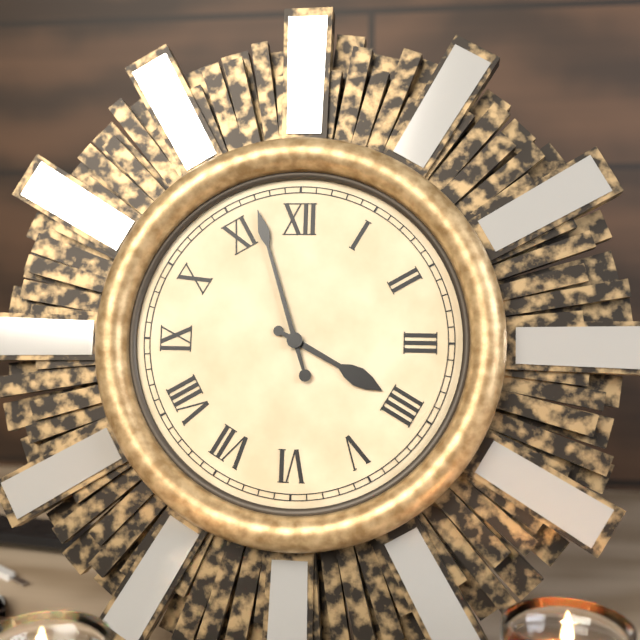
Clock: 3:57
